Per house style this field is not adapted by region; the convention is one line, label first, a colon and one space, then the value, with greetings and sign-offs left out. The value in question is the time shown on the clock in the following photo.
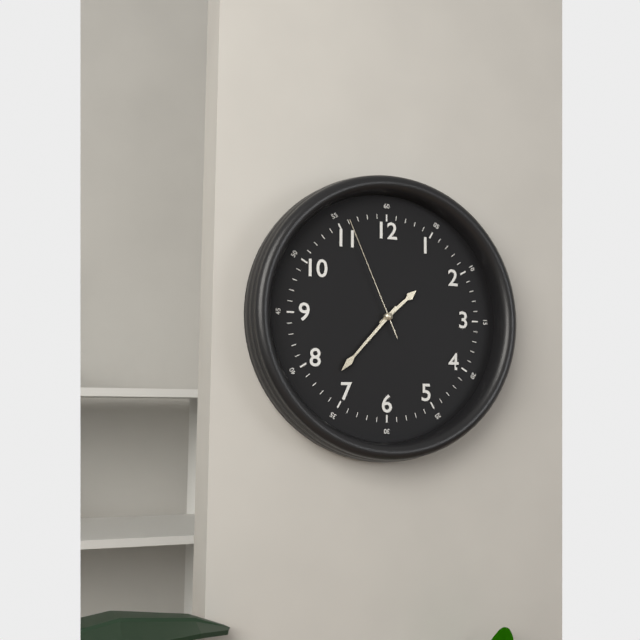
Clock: 1:37:56
